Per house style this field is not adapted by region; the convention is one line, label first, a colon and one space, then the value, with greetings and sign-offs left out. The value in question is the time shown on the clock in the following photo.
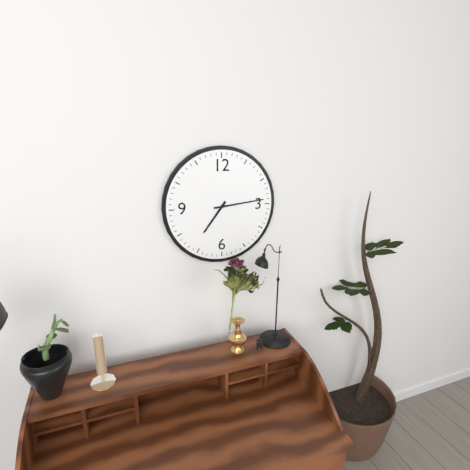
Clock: 7:14
